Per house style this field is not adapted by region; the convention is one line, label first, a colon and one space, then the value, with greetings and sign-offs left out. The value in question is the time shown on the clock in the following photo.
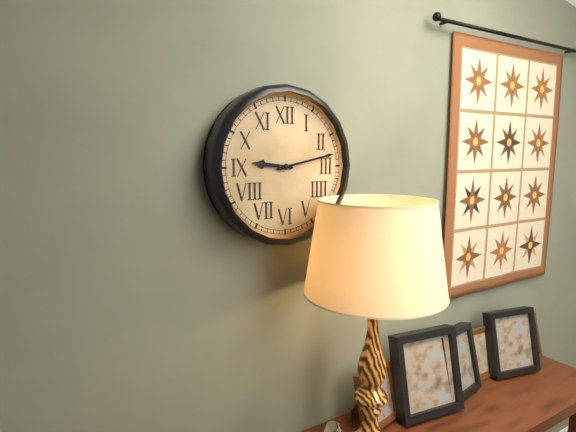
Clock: 9:13
